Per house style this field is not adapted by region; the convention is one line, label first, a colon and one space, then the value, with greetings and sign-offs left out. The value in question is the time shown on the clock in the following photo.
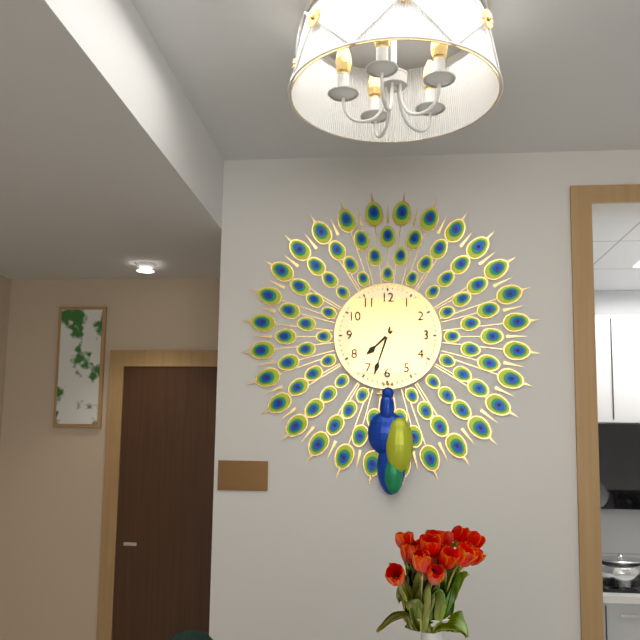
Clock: 7:33
